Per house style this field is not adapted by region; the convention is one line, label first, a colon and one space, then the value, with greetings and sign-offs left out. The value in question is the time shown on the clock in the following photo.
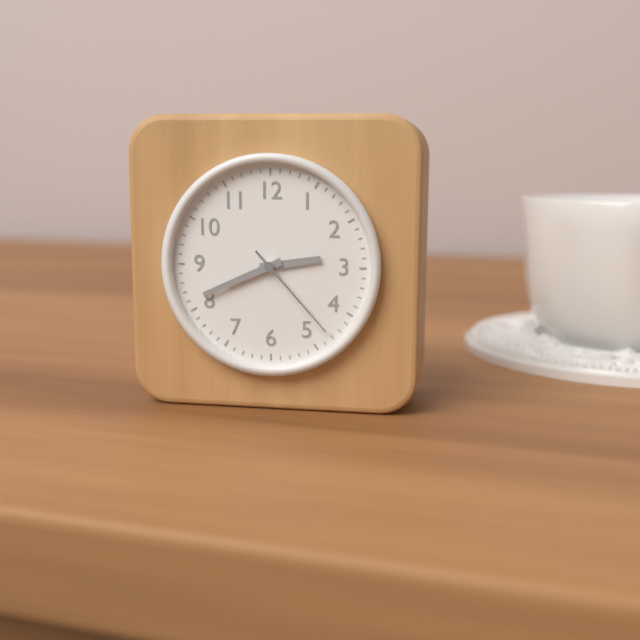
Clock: 2:41:23
